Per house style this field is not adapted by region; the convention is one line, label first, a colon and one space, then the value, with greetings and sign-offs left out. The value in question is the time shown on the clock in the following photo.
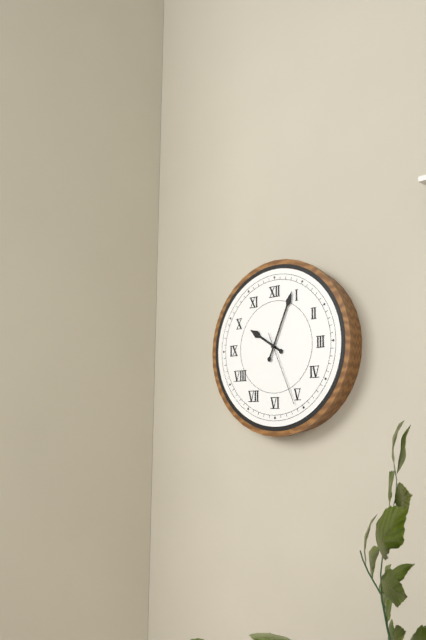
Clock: 10:04:26
